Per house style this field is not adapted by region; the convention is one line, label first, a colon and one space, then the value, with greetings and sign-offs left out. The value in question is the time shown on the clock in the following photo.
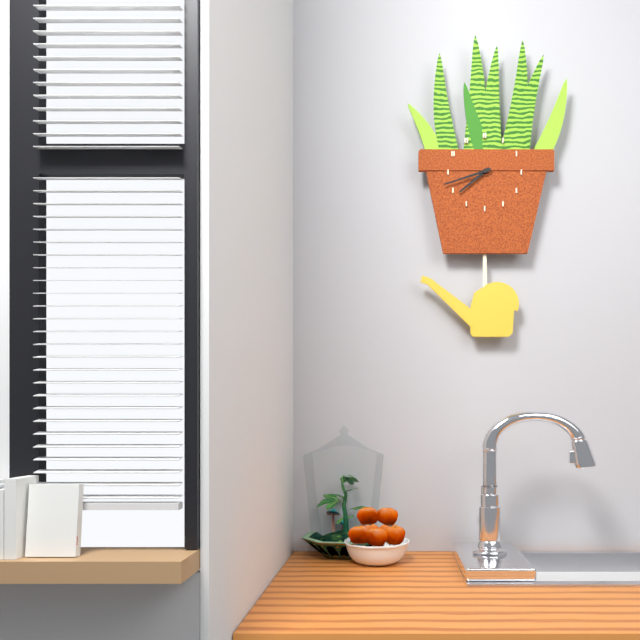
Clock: 7:42
